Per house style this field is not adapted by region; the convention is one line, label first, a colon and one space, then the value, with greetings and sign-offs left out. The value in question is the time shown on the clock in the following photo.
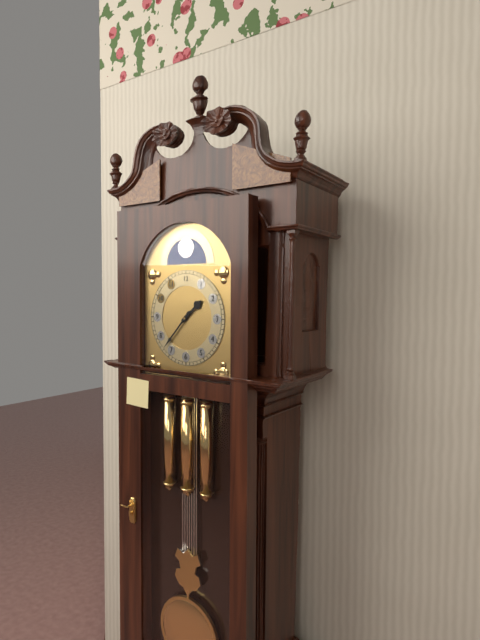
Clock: 1:37
